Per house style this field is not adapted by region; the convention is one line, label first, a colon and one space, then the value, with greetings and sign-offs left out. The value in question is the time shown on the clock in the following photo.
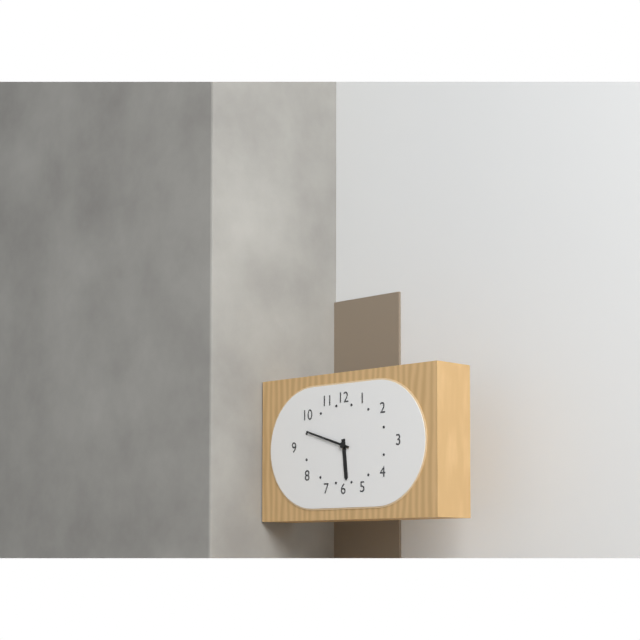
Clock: 5:48
